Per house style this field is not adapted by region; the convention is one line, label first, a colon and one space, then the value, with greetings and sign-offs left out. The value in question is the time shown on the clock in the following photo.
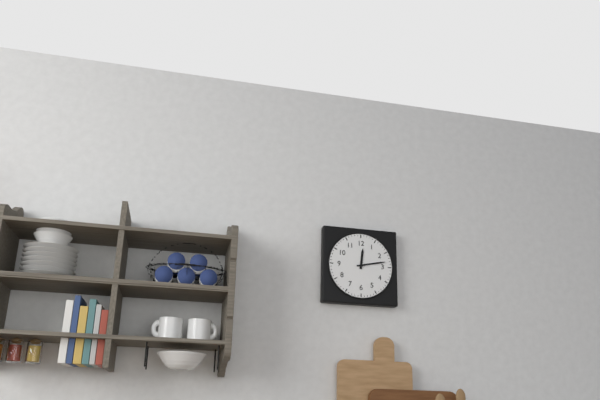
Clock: 12:13
